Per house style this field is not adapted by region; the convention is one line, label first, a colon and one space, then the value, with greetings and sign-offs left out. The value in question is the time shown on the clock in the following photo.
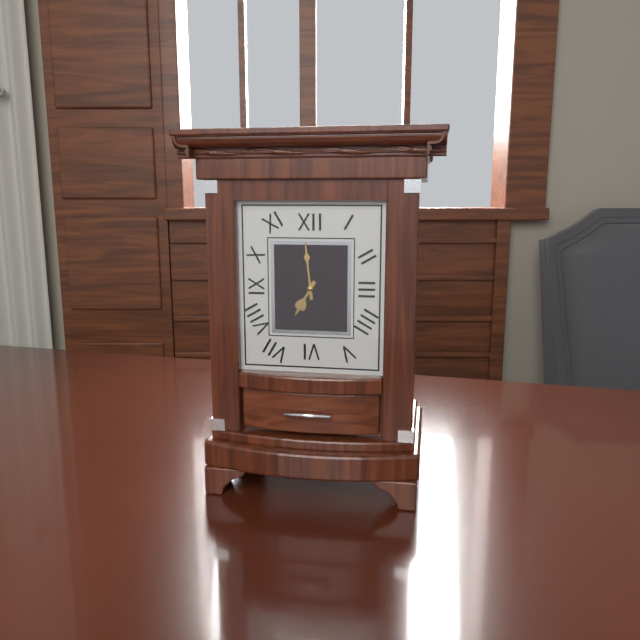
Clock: 6:59
